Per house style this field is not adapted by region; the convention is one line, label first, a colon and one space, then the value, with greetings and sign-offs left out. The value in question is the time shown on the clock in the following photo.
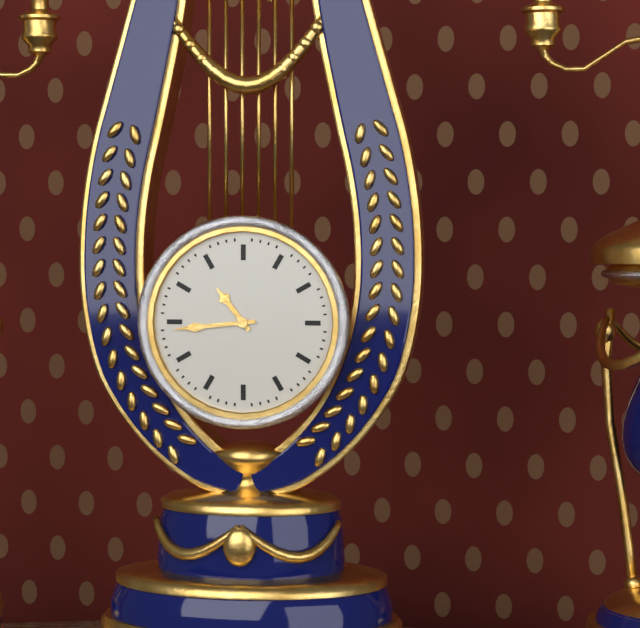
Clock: 10:44
